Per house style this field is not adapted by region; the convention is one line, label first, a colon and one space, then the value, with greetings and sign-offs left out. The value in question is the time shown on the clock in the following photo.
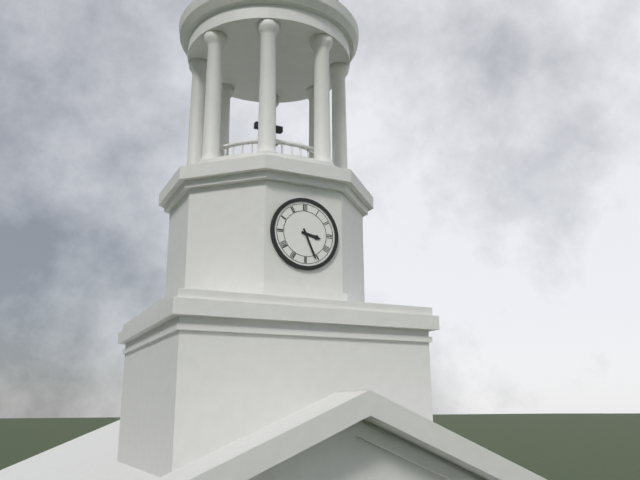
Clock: 3:26
